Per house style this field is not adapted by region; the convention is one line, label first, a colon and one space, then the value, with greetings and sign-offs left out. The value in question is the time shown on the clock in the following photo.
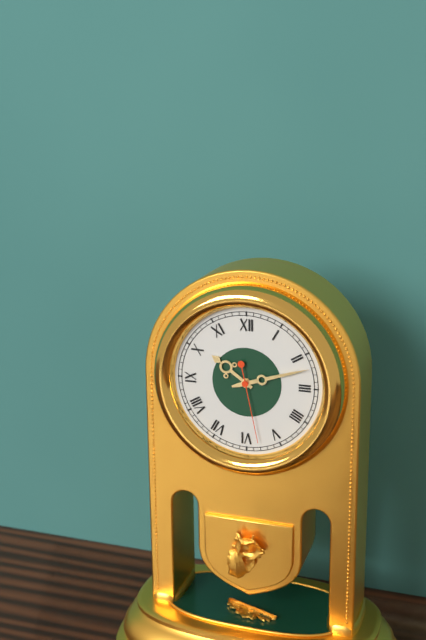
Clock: 10:12:28
